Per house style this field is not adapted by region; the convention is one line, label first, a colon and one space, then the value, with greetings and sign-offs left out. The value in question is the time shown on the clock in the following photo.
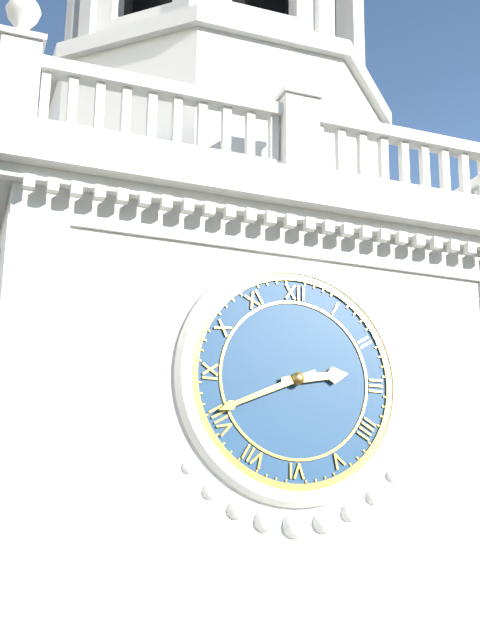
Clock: 2:41
